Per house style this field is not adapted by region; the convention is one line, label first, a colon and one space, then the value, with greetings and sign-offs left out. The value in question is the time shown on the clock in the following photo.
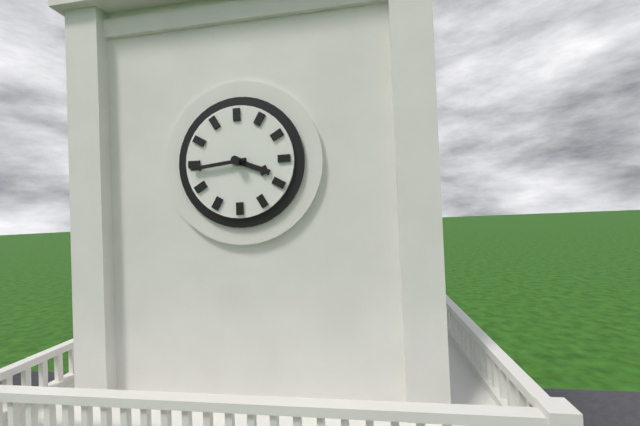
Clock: 3:44
